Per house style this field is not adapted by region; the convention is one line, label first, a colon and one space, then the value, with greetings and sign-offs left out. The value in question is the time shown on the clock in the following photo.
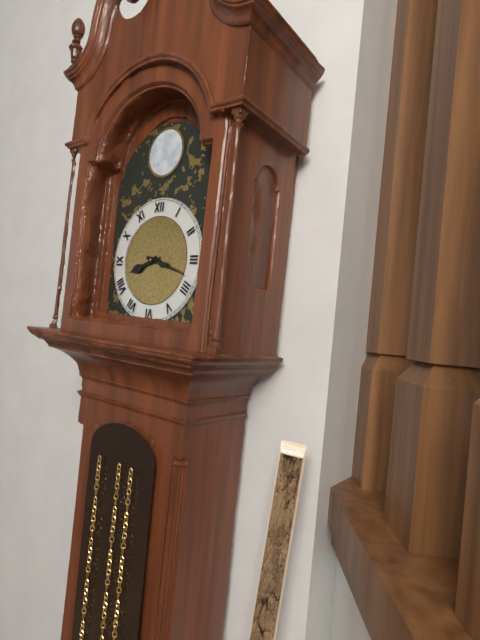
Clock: 8:18
